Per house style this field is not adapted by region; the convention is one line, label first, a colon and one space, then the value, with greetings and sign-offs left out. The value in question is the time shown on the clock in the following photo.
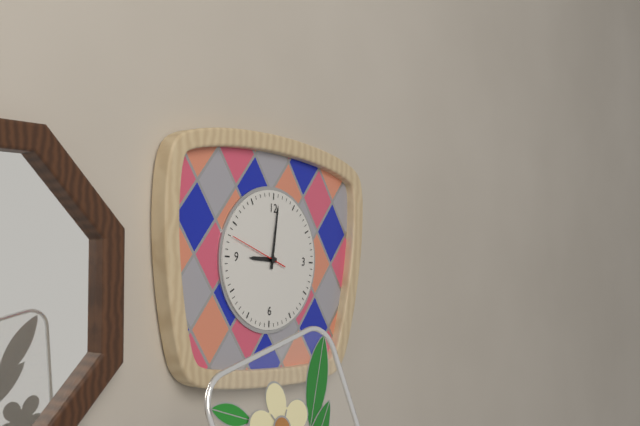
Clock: 9:01:48
